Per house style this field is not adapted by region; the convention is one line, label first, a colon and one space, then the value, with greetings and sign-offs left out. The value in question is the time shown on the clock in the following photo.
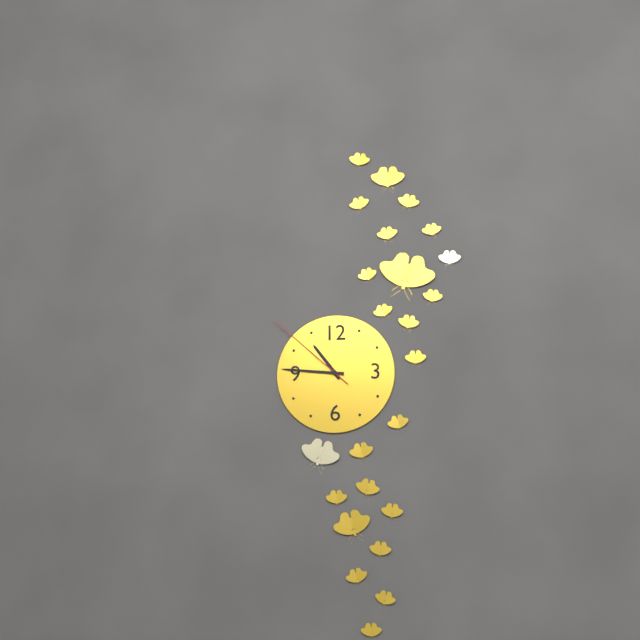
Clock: 10:46:52
